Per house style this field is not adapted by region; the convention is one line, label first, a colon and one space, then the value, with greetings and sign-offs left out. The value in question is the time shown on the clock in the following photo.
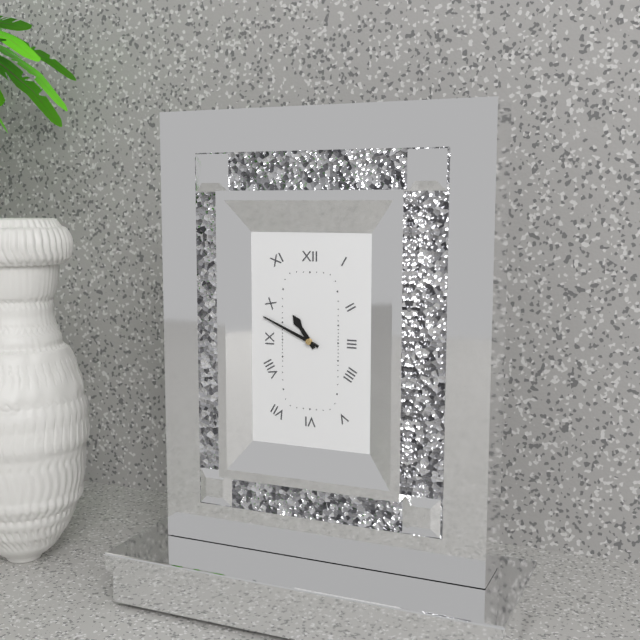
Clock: 10:49
